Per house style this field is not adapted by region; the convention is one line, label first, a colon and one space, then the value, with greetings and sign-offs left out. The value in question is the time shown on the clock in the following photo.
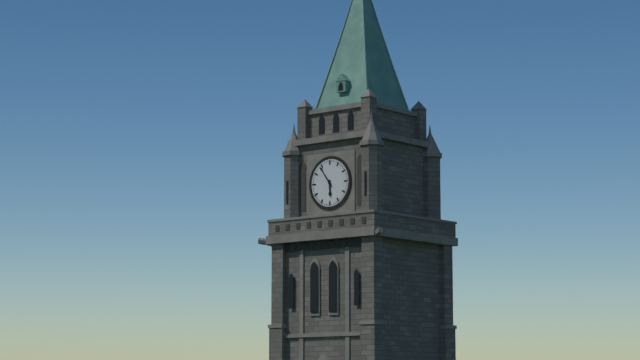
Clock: 5:54
